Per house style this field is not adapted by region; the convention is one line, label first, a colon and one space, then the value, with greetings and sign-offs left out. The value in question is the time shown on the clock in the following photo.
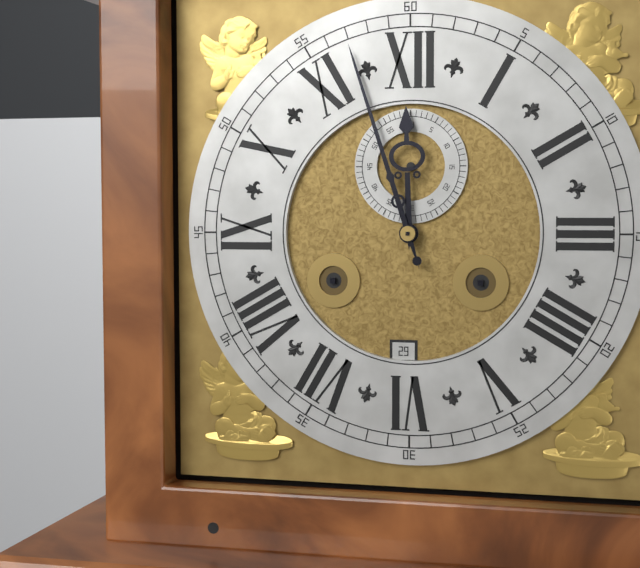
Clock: 11:57
